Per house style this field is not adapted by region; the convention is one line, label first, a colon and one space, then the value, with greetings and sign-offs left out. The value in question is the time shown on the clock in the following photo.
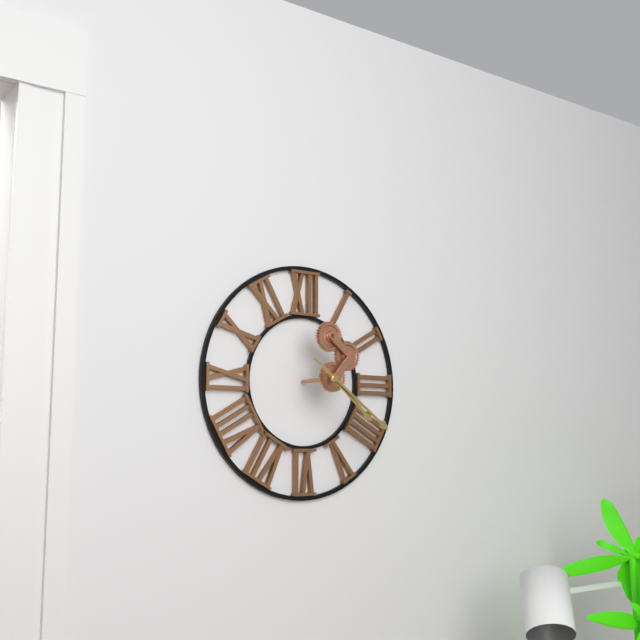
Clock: 4:21
